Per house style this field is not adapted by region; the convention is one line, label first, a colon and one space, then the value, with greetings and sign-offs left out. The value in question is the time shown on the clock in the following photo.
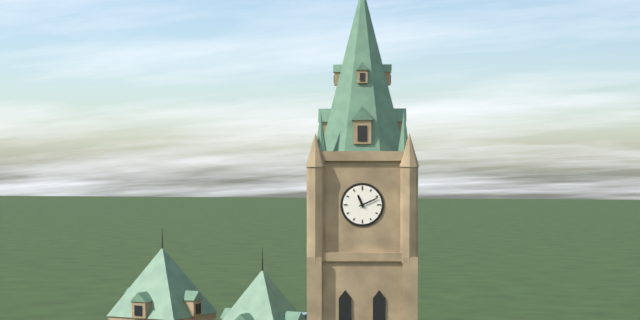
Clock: 11:11
